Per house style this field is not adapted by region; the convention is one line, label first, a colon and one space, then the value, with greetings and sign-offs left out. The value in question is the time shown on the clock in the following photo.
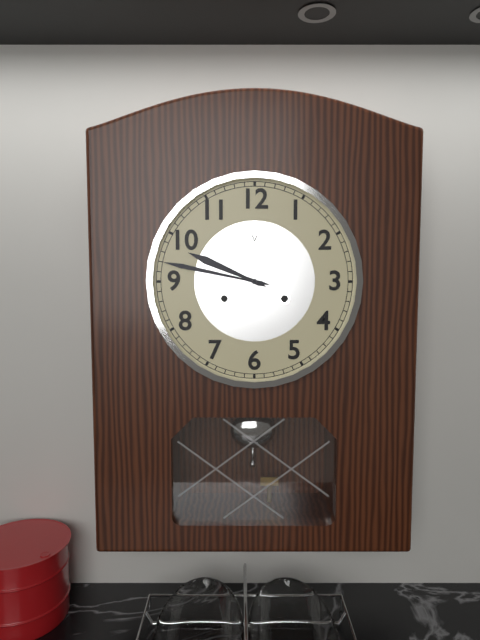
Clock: 9:47
